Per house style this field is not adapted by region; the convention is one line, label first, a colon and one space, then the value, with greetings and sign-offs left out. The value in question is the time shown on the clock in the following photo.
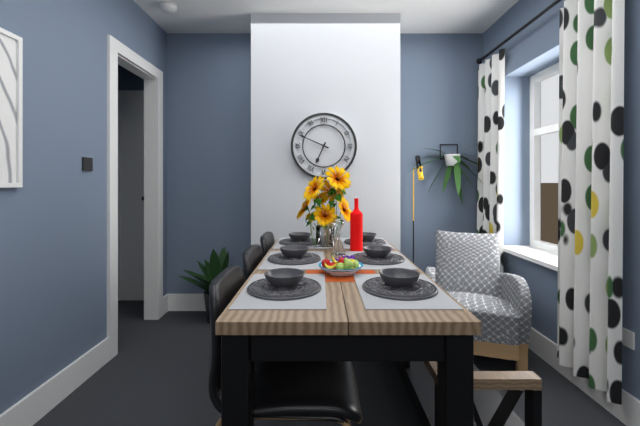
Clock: 6:49
